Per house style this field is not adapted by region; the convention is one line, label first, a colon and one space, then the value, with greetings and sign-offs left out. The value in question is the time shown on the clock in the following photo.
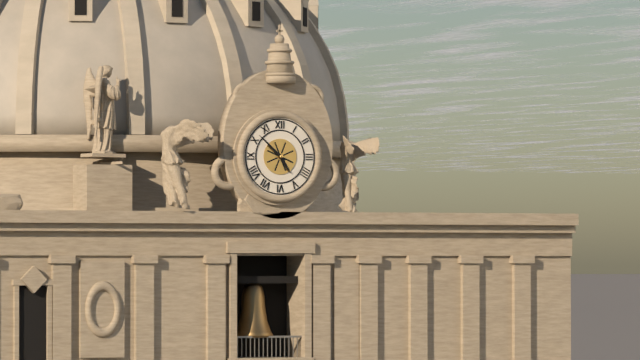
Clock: 4:52
